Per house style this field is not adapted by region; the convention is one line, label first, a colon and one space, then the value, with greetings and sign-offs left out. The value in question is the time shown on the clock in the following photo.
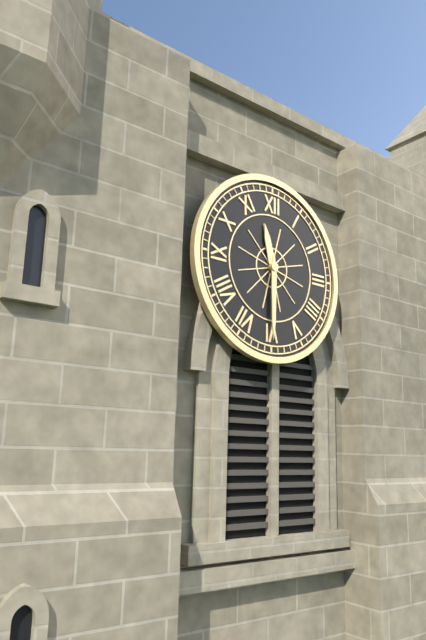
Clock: 11:30
